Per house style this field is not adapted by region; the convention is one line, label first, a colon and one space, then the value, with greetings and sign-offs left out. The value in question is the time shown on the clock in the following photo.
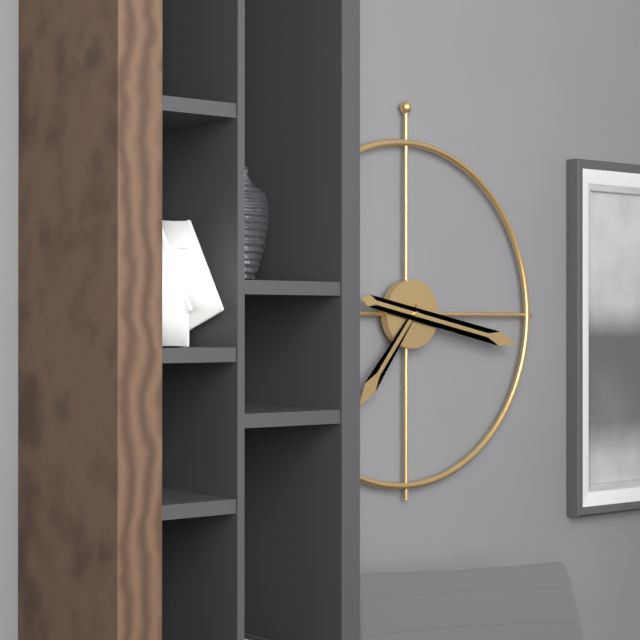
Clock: 7:17
